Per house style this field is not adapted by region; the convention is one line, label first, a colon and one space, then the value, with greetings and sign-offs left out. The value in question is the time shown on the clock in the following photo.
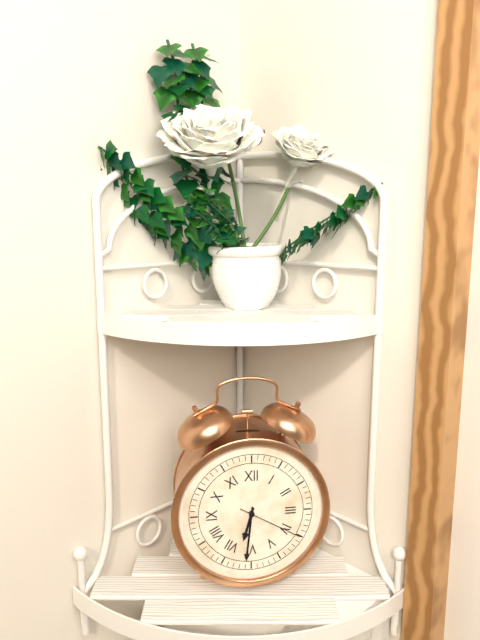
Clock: 6:31:20
